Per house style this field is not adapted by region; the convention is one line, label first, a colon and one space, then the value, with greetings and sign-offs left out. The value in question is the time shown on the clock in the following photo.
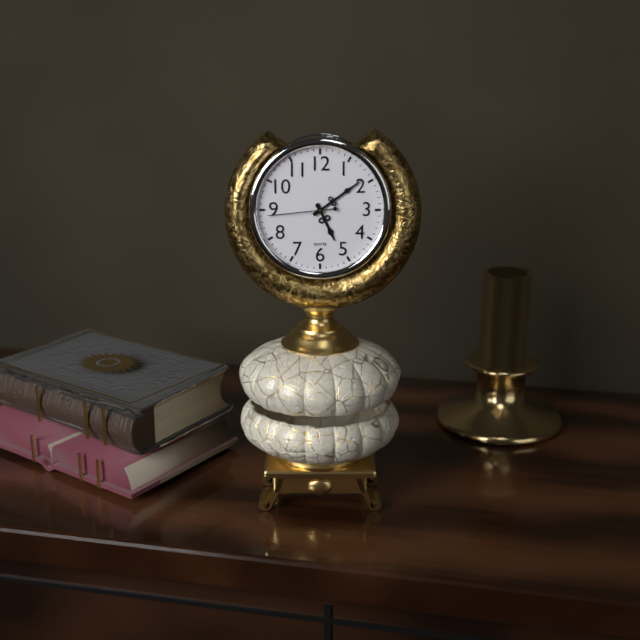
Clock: 5:09:44
